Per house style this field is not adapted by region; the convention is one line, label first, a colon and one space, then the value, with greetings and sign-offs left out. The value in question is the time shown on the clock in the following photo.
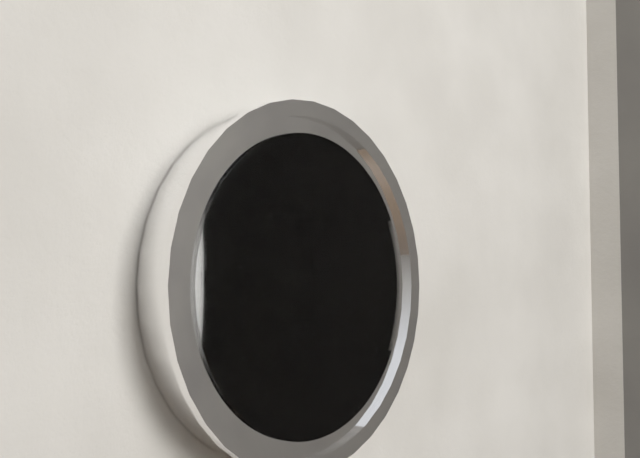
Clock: 5:02
